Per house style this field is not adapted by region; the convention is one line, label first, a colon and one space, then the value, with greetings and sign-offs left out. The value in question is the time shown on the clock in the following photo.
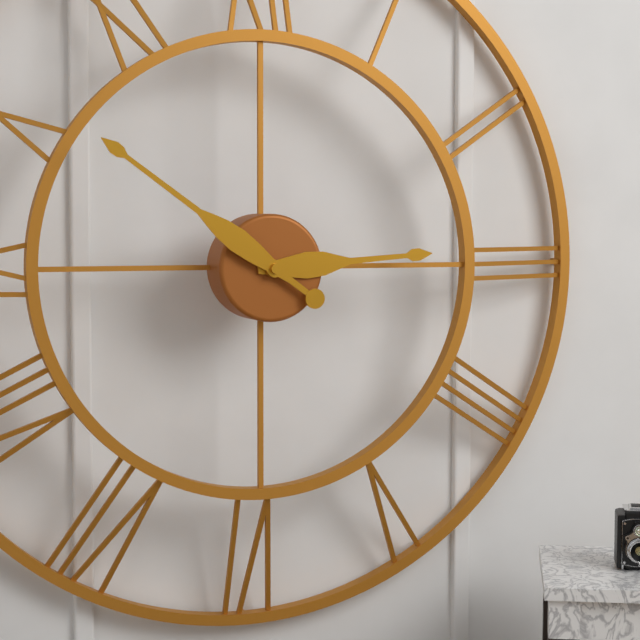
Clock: 2:51
